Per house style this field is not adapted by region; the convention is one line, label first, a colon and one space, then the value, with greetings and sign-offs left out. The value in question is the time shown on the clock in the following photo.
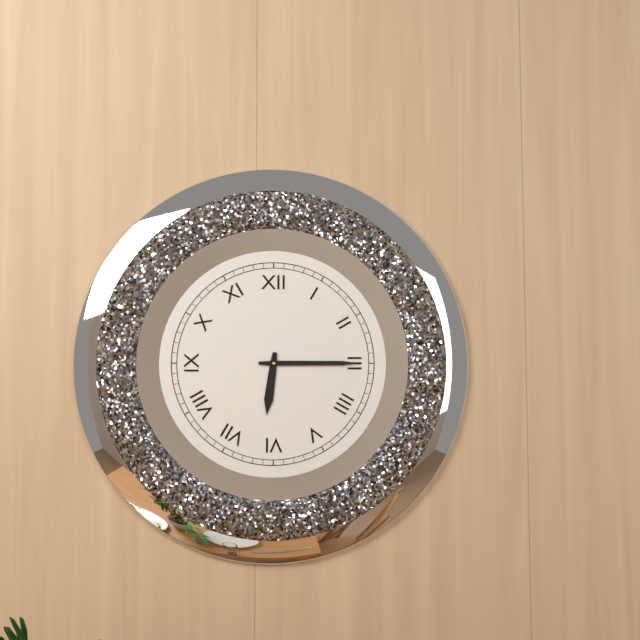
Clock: 6:15
